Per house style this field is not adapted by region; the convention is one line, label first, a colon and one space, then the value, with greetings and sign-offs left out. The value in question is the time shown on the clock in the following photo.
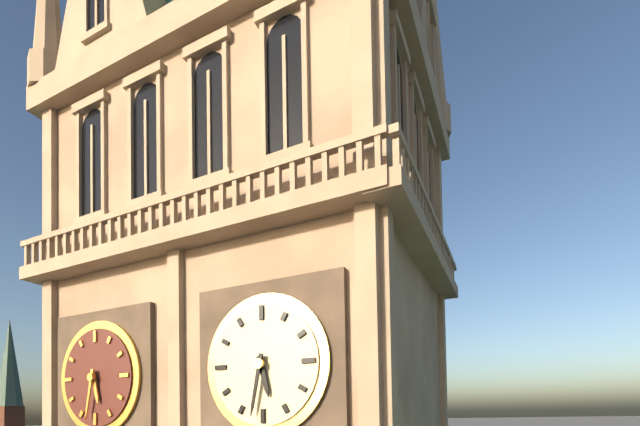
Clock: 5:32
